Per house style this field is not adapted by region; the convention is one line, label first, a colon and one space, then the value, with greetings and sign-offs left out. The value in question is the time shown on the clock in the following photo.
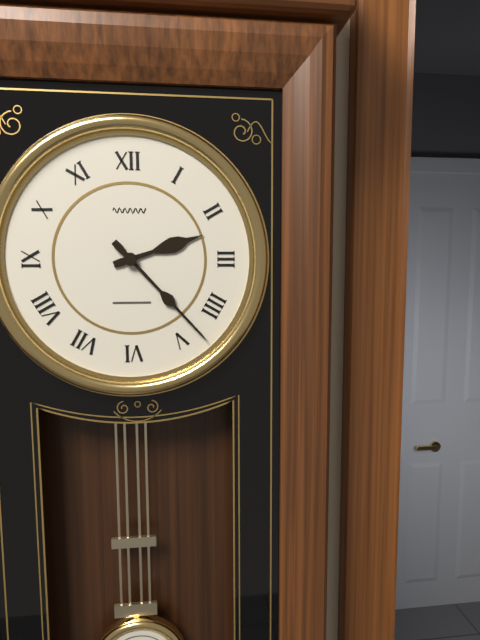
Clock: 2:23
